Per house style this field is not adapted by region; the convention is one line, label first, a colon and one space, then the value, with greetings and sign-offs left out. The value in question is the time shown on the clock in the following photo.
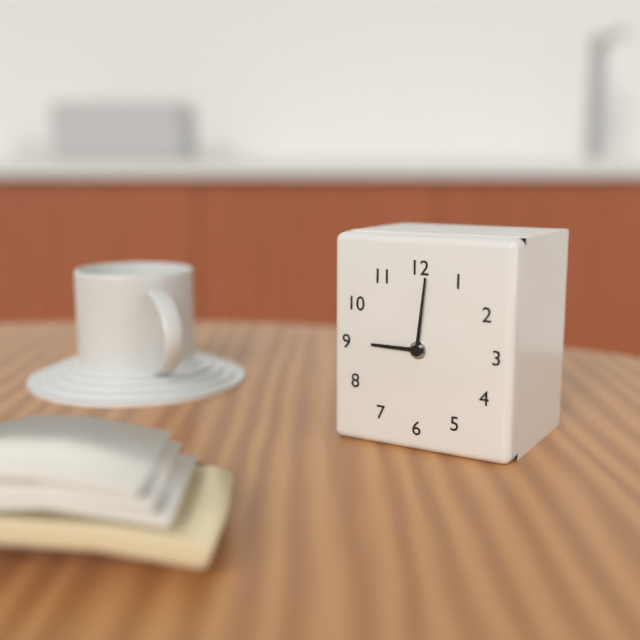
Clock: 9:01
